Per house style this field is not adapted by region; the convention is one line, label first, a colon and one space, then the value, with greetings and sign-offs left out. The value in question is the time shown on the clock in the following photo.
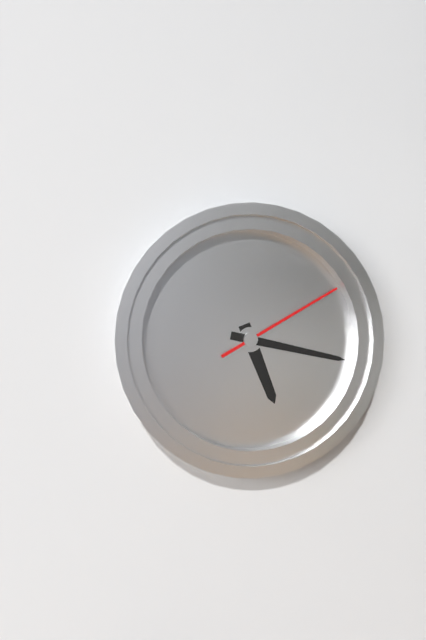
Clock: 5:17:10
